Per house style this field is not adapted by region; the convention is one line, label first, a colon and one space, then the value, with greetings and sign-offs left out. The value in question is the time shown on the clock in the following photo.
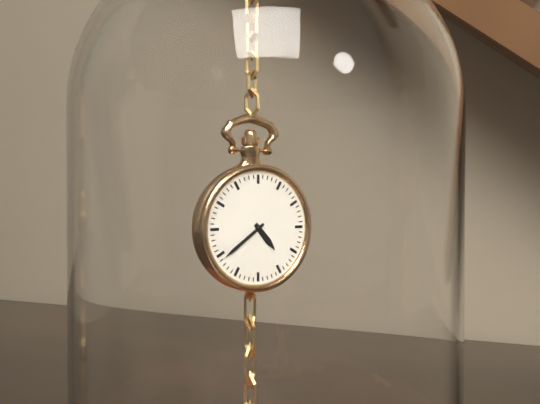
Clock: 4:39
